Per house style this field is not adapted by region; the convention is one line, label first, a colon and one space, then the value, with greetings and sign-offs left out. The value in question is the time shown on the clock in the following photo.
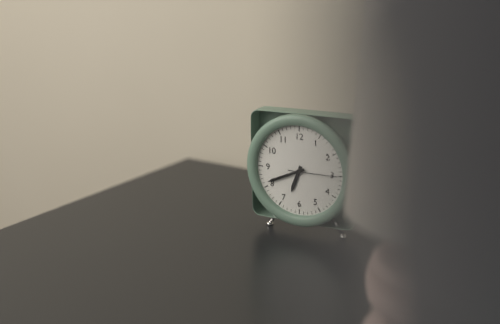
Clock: 6:41
